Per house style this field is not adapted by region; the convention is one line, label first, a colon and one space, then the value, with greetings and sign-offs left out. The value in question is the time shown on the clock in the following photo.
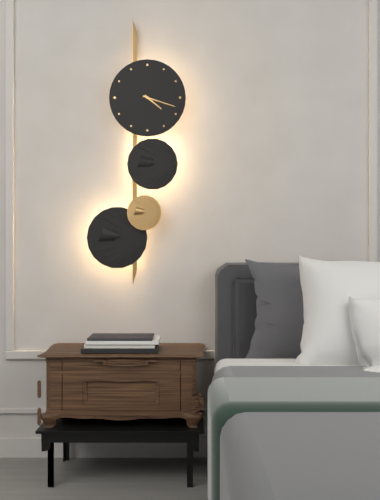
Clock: 4:18
